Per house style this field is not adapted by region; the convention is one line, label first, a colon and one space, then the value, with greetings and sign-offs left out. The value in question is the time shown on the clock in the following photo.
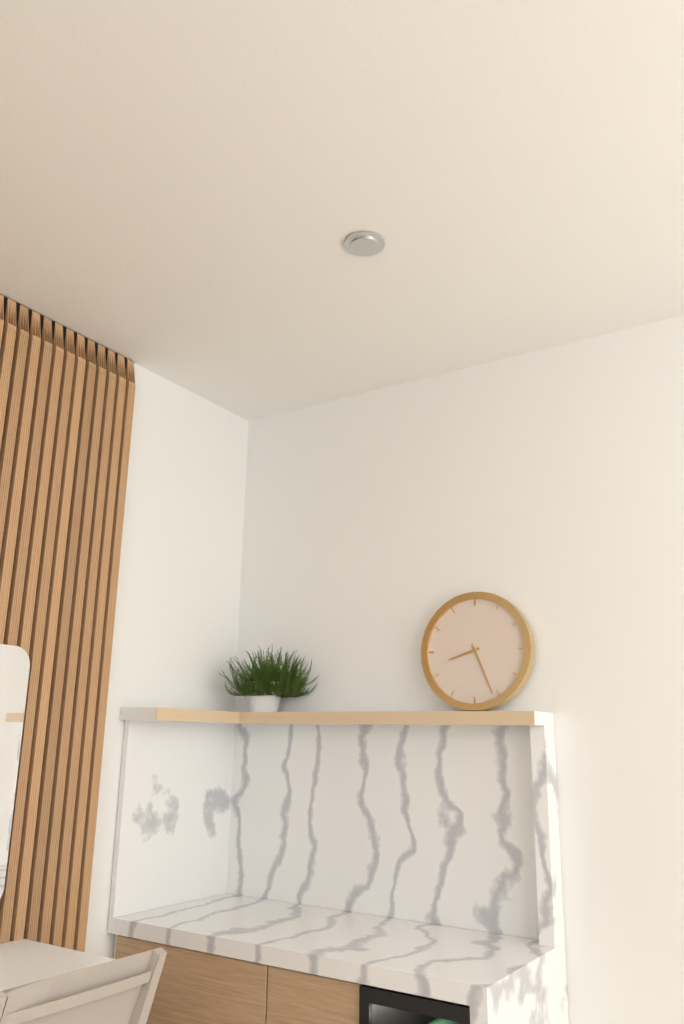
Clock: 8:26
